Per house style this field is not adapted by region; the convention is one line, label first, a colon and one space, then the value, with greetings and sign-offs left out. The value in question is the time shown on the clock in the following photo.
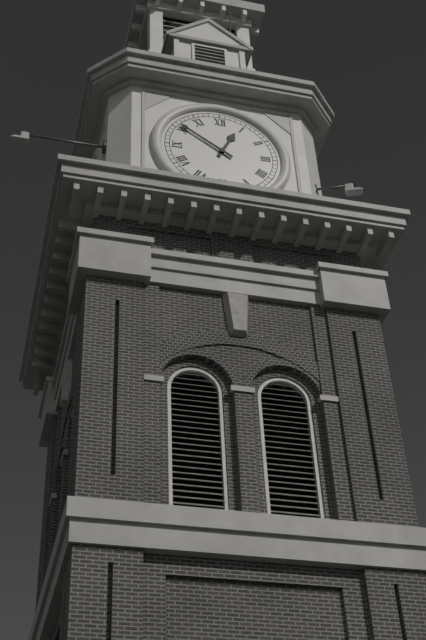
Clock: 12:51
